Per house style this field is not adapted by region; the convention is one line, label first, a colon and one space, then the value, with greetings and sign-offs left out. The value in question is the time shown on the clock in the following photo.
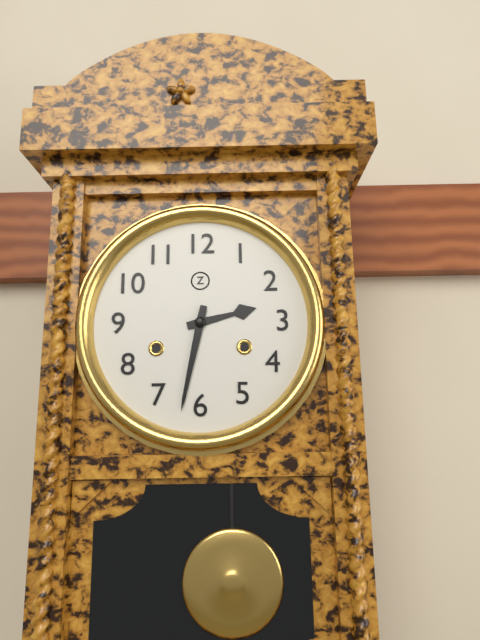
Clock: 2:32
